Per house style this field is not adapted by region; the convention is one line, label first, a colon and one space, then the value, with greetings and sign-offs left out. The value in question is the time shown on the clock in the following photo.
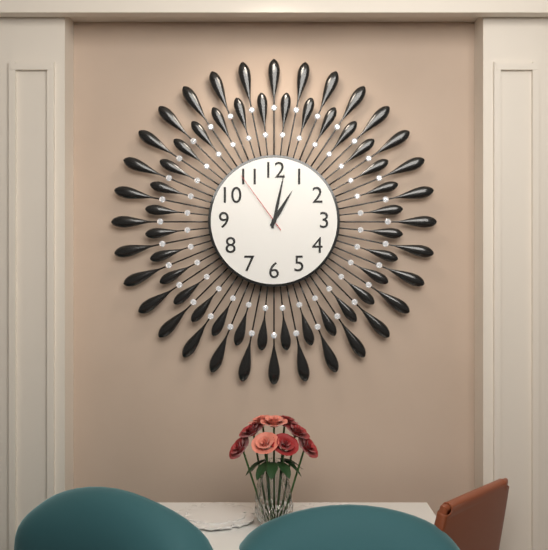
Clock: 1:02:54
